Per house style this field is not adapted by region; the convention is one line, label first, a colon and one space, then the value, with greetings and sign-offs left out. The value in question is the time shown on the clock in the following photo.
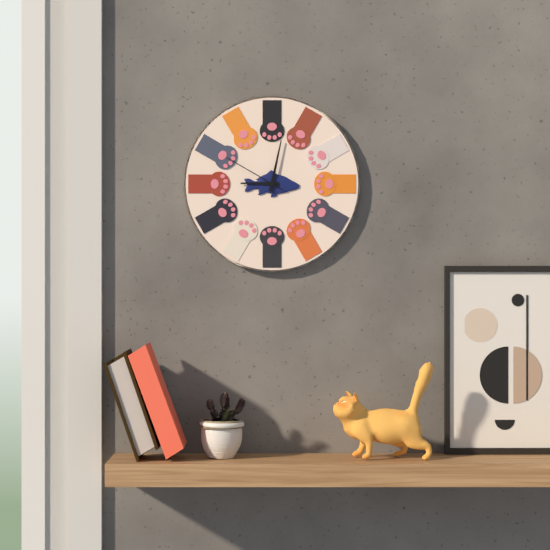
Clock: 9:02:50
